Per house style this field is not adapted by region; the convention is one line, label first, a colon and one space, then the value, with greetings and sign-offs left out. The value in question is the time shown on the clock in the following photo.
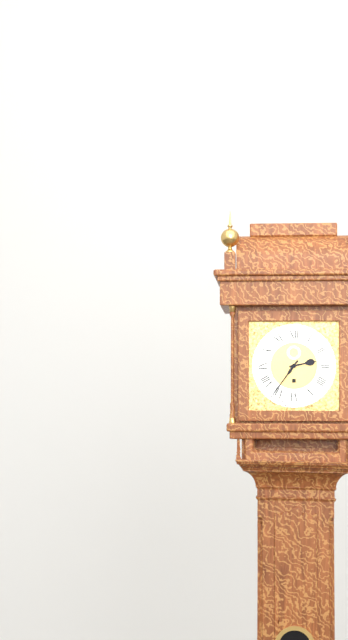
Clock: 2:36
